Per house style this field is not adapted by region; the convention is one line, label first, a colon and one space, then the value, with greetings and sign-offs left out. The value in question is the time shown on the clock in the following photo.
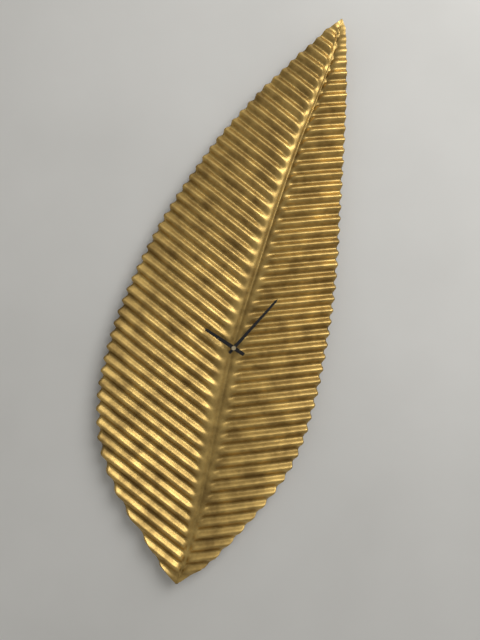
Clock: 10:07
